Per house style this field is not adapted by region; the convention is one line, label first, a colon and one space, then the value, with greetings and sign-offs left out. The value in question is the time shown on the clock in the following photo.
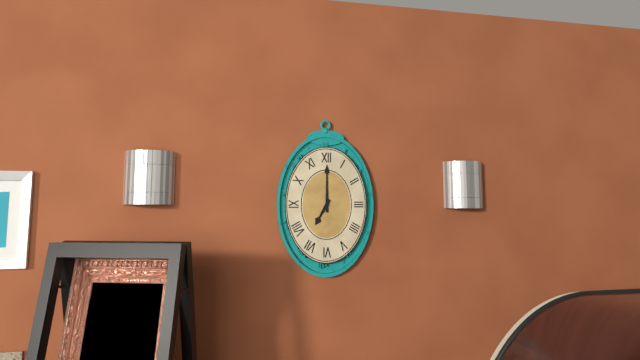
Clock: 7:00
